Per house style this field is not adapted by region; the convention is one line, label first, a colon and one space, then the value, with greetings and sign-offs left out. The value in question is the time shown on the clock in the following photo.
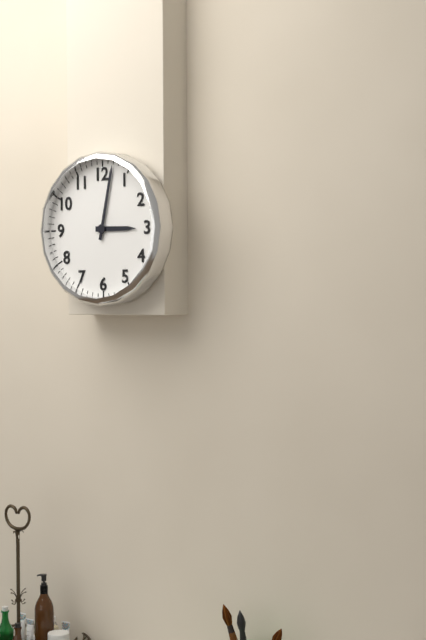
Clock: 3:02
